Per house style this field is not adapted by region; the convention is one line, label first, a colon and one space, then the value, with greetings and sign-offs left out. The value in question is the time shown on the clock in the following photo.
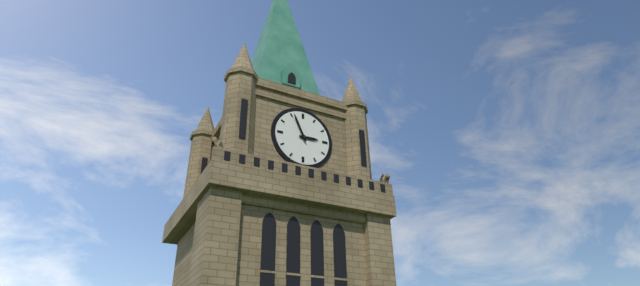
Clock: 2:56
